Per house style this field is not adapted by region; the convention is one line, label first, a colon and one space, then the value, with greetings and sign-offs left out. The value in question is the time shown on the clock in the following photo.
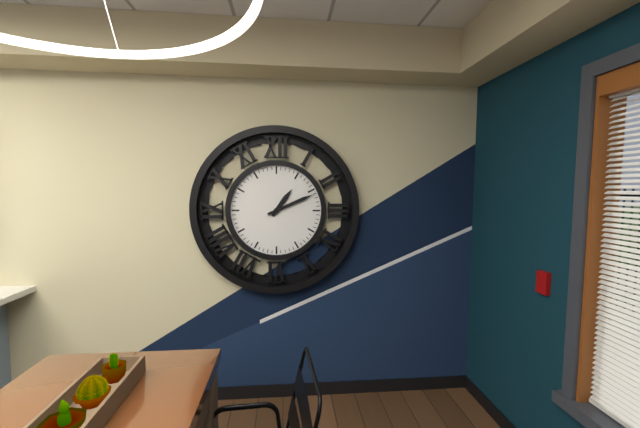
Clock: 1:11
